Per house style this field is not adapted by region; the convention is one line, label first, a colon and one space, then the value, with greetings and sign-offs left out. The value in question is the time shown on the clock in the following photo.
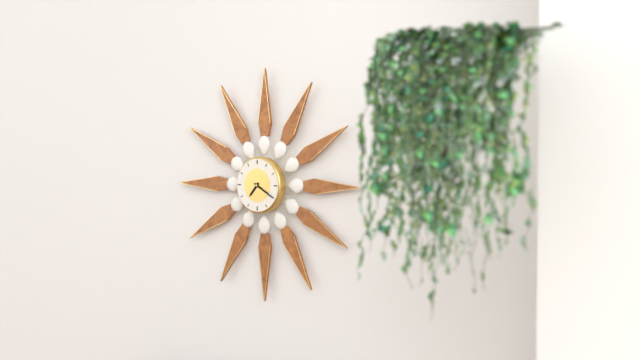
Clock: 7:20
